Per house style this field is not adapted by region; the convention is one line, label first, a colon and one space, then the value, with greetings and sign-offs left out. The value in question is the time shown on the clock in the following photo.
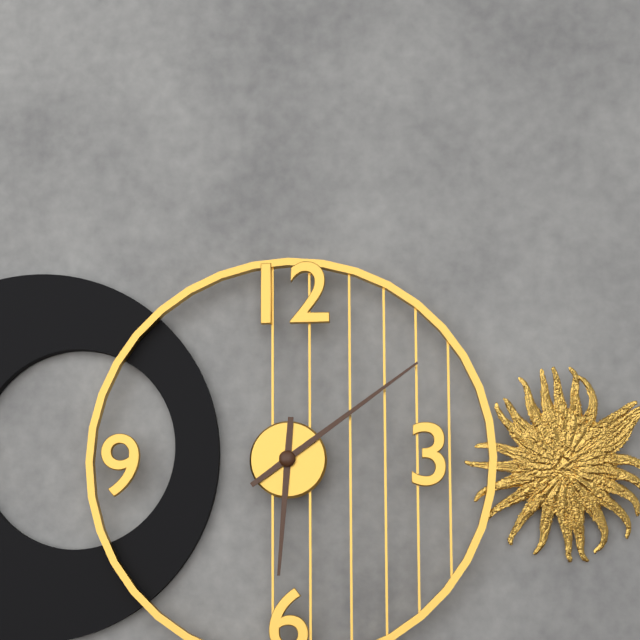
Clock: 6:09
